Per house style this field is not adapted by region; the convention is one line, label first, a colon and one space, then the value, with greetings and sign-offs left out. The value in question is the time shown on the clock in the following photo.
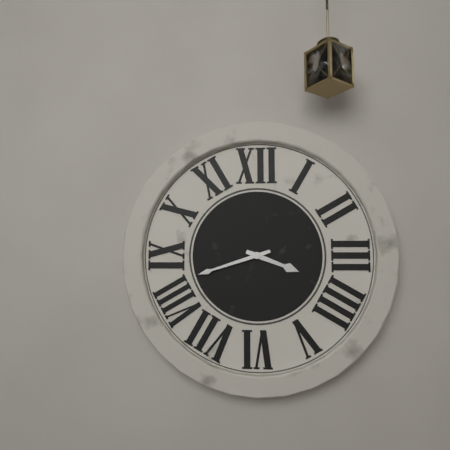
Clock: 3:42
